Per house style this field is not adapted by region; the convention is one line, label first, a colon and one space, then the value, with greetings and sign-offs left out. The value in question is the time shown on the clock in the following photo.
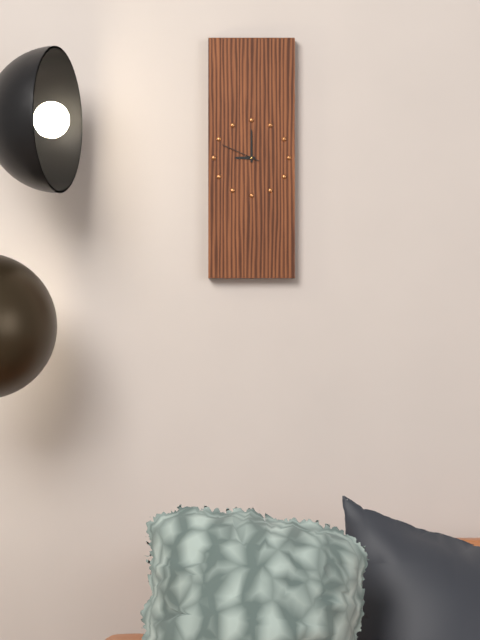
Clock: 9:00
